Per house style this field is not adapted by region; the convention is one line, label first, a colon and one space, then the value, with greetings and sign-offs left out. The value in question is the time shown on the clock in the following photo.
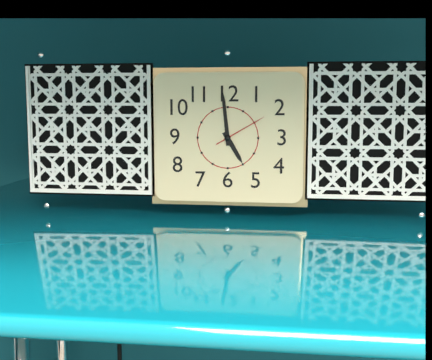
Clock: 4:59:10
